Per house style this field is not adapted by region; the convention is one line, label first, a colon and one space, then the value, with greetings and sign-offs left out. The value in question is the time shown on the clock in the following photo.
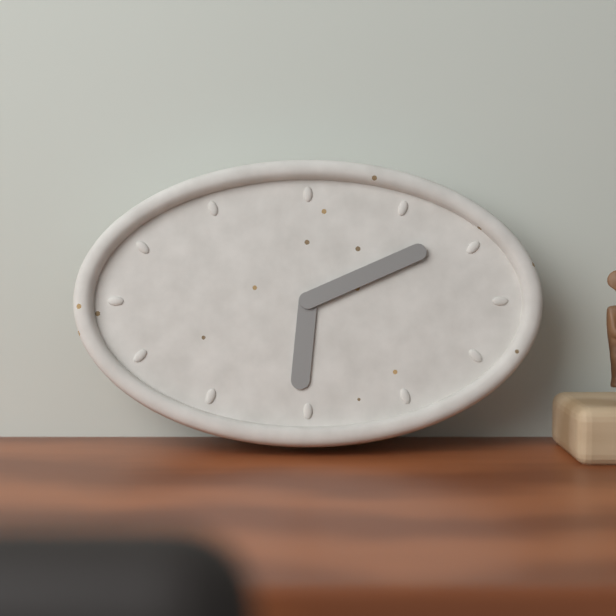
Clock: 6:11
